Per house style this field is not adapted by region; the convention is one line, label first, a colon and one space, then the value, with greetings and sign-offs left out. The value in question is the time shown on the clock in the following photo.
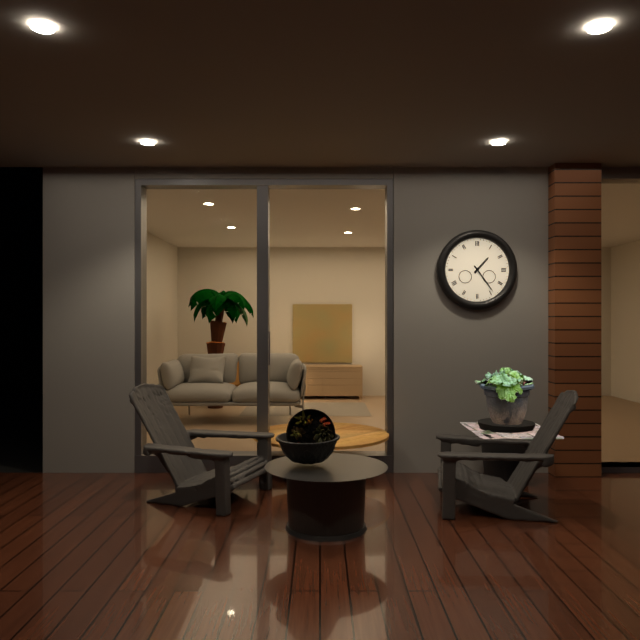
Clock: 1:24
